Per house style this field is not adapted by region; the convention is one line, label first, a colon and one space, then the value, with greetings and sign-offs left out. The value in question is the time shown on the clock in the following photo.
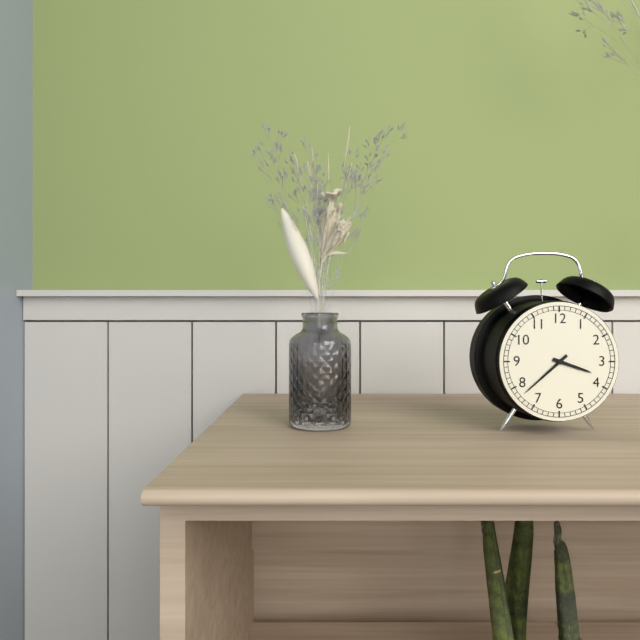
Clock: 3:38
